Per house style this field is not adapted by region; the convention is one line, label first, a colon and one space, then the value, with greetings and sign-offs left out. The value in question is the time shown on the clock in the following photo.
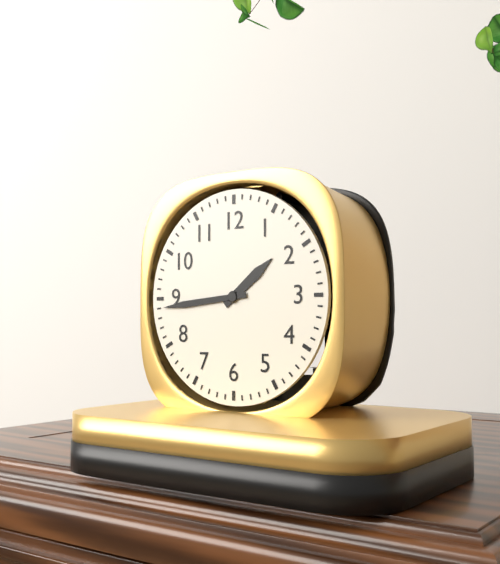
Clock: 1:44
